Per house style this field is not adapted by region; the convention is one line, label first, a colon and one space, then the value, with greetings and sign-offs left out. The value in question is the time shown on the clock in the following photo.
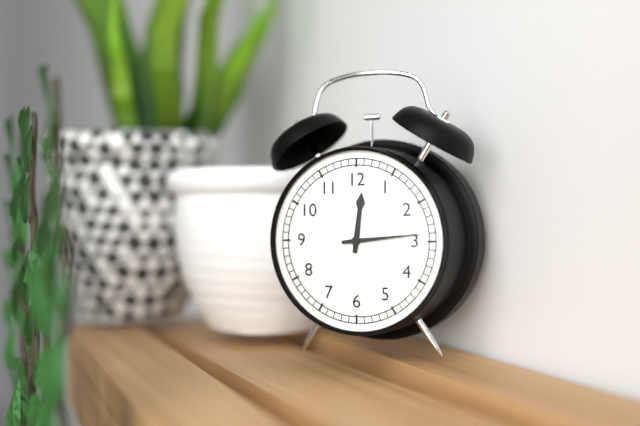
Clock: 12:14
